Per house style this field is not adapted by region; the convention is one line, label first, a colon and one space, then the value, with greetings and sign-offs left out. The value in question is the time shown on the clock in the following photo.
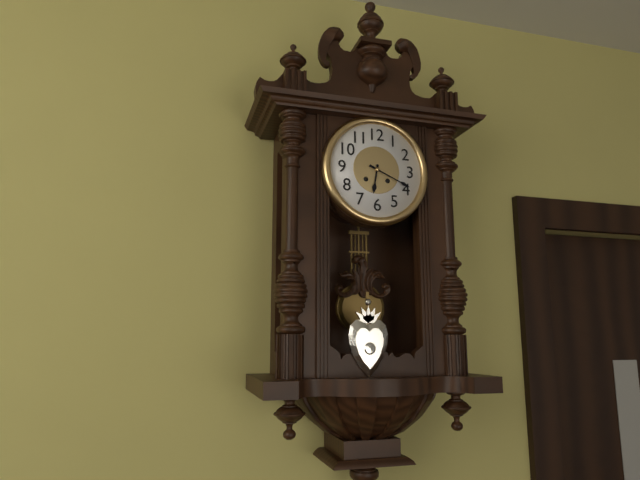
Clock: 6:19
